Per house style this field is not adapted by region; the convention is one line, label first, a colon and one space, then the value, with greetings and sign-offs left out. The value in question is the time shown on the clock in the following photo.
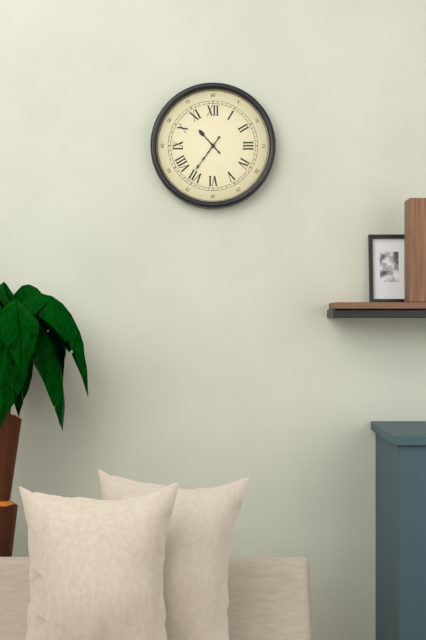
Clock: 10:36
